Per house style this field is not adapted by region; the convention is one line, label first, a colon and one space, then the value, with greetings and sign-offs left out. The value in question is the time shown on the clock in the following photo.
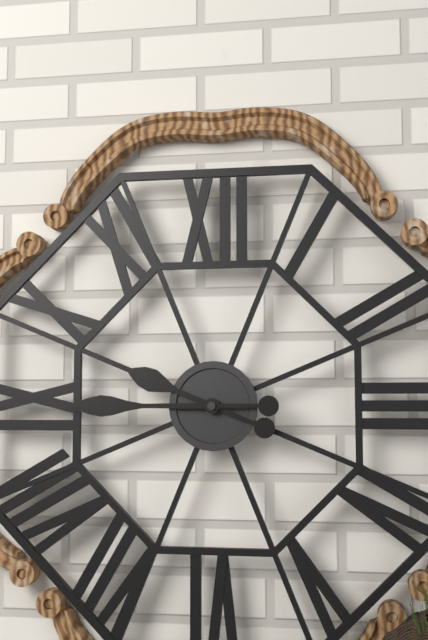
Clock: 9:45
